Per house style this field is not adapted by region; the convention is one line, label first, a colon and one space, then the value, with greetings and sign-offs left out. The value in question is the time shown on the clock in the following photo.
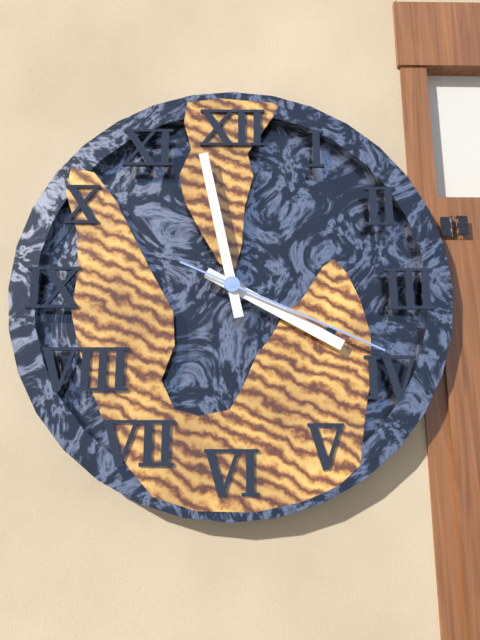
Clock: 3:58:19
